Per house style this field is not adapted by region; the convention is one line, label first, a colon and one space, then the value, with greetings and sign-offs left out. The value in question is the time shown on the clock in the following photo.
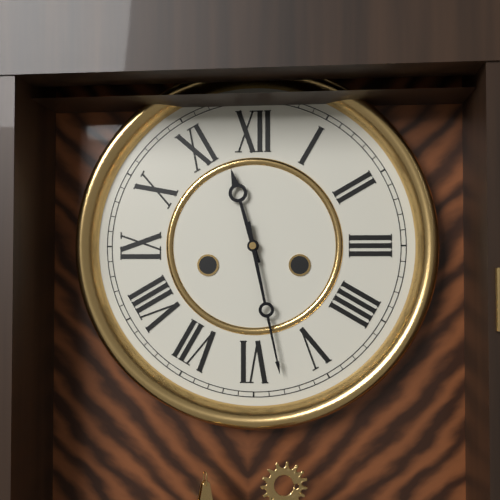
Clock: 11:28
